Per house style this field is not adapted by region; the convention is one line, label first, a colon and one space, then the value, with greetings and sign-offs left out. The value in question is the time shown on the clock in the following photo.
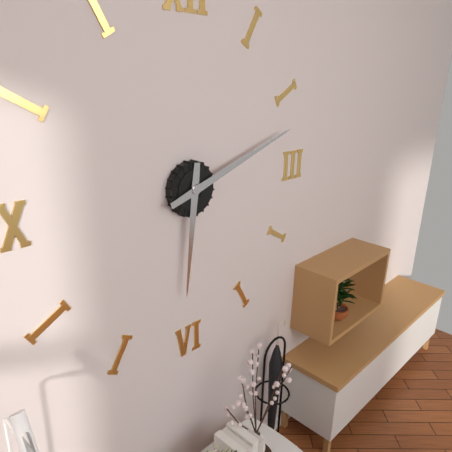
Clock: 6:12
